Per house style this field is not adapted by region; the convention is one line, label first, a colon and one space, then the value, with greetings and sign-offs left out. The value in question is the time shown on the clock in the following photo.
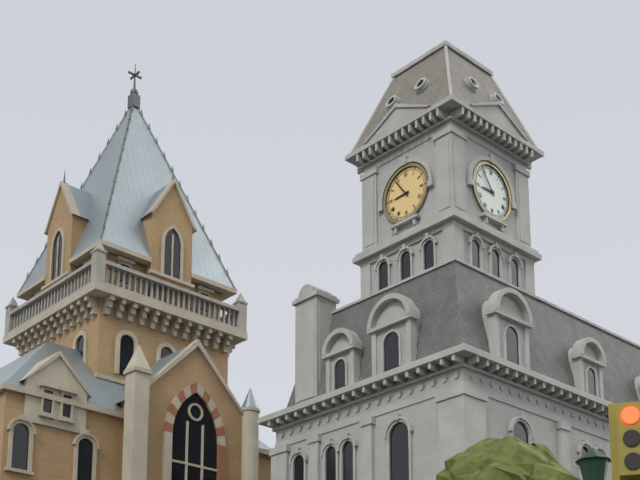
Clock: 8:54
